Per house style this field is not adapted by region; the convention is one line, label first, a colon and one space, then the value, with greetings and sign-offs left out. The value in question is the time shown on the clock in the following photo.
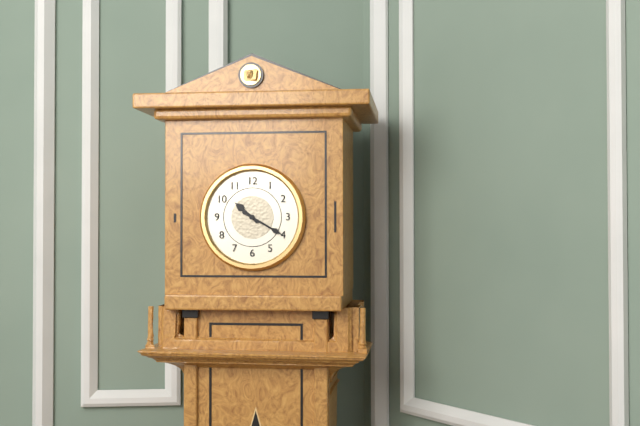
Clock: 10:20
